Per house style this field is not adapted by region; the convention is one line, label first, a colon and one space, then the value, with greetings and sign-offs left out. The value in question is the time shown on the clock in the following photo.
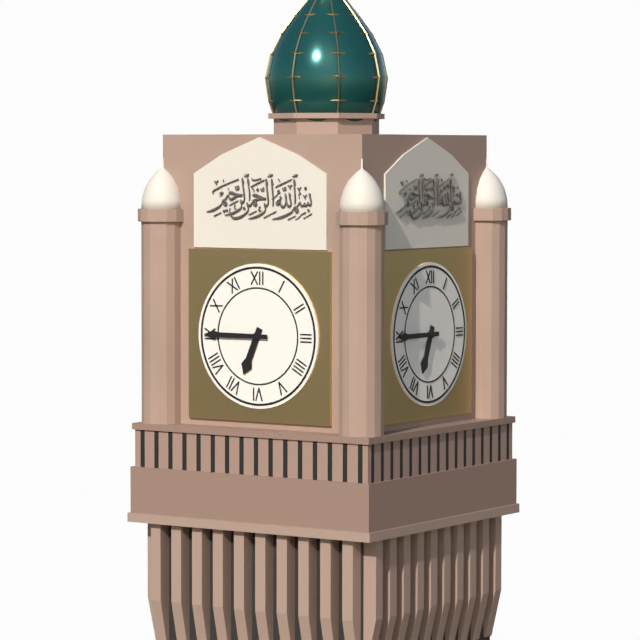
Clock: 6:45
